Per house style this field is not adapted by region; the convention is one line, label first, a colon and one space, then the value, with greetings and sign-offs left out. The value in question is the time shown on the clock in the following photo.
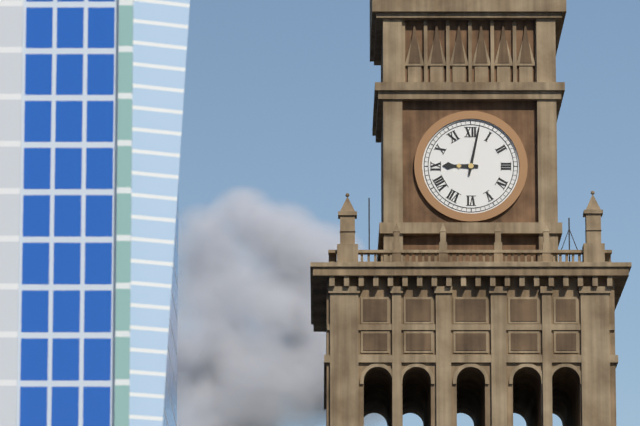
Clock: 9:02
